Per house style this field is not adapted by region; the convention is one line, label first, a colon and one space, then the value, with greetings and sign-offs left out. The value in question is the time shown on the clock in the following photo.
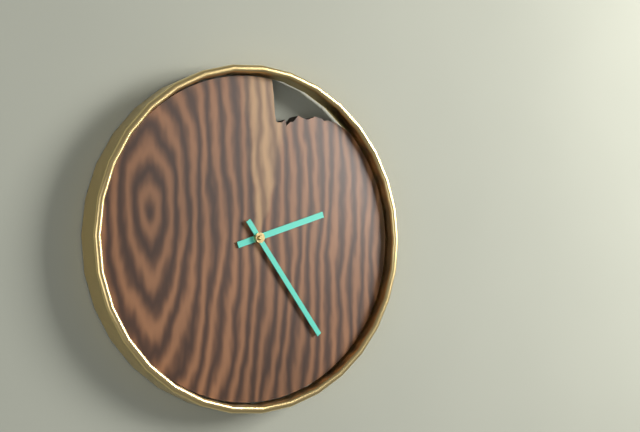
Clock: 2:24
